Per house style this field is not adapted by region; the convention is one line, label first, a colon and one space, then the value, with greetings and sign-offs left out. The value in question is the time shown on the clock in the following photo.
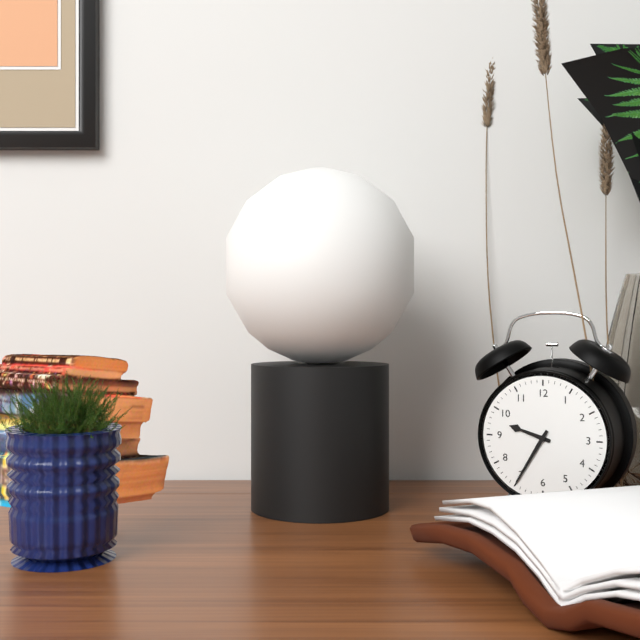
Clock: 9:35
